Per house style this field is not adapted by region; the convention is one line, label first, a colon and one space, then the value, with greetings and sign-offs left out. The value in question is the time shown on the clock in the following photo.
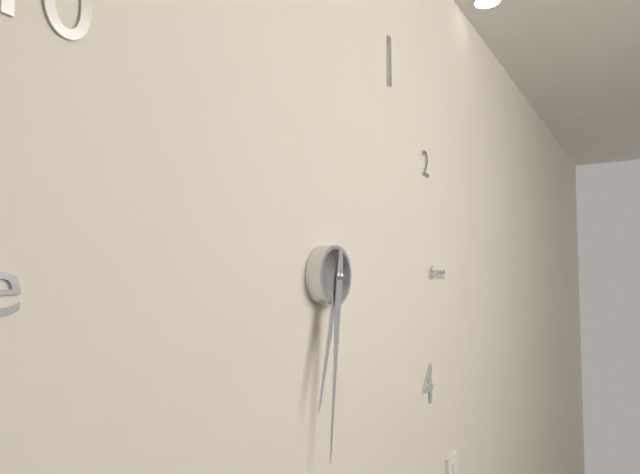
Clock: 6:31
